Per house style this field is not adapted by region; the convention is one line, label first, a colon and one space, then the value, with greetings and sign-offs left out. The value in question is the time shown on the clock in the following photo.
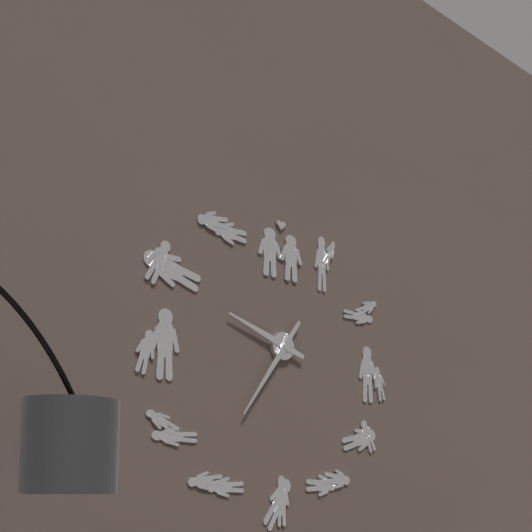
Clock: 9:36
